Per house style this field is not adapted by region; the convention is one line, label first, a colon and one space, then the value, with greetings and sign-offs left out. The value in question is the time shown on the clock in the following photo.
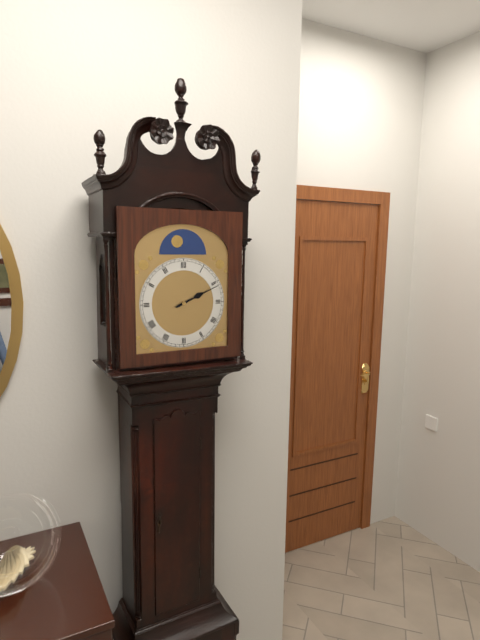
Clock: 2:11
